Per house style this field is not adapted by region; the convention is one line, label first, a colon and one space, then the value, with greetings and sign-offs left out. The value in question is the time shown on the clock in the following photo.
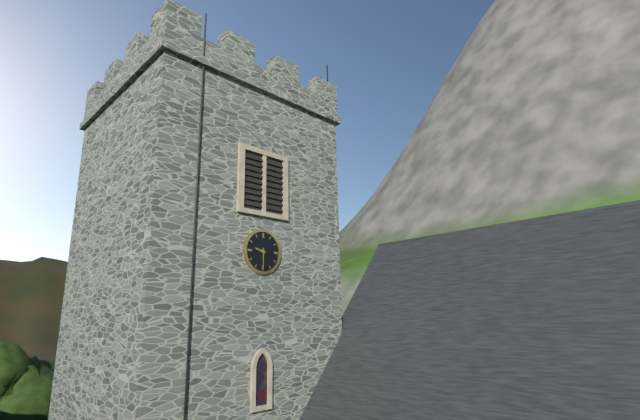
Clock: 9:30
